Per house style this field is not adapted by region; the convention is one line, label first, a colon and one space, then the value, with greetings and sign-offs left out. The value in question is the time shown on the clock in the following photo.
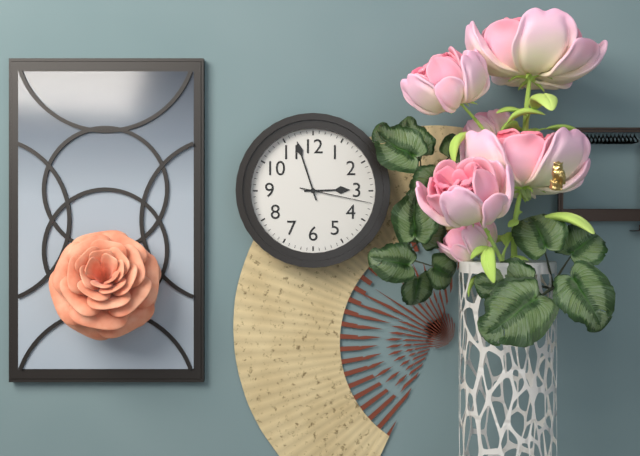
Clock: 2:57:17
